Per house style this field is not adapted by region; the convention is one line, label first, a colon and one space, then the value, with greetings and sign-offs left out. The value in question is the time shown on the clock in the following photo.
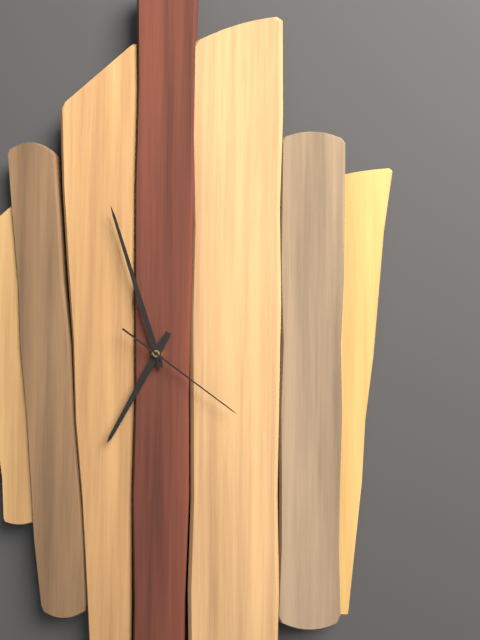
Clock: 6:57:21
